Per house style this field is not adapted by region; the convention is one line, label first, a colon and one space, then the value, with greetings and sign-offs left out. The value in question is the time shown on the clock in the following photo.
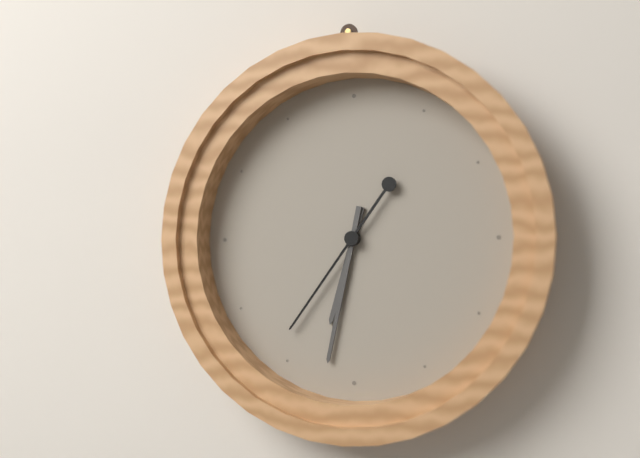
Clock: 6:32:36
